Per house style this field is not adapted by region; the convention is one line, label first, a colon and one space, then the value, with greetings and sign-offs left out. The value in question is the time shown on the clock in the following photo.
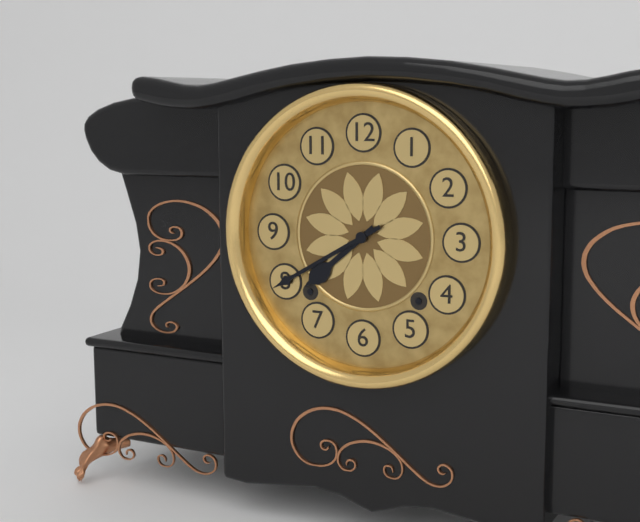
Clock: 7:40
